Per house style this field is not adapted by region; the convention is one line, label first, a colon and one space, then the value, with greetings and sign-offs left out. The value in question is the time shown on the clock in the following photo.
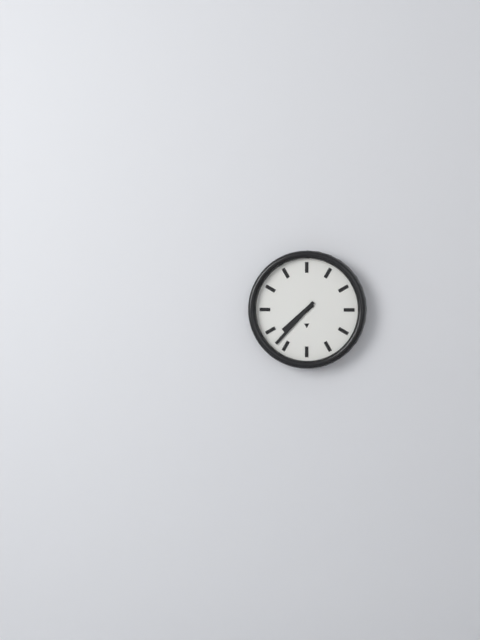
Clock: 7:37
